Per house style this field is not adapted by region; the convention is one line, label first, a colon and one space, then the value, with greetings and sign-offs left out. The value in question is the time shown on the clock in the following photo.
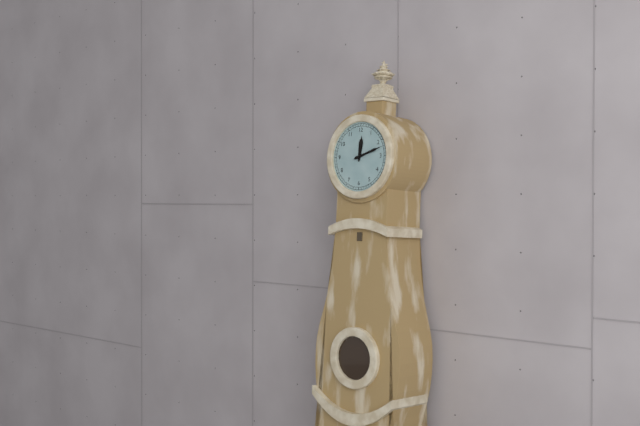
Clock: 12:12
